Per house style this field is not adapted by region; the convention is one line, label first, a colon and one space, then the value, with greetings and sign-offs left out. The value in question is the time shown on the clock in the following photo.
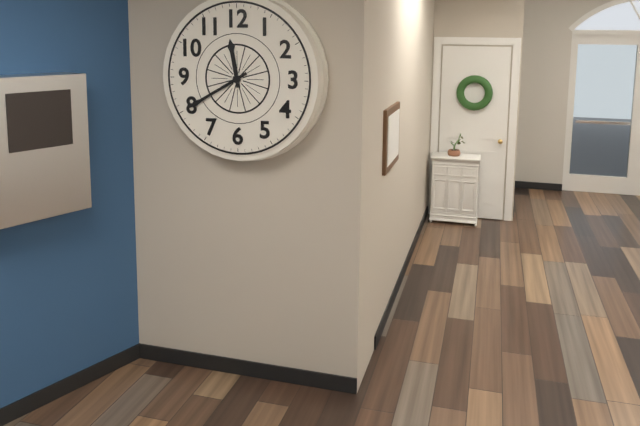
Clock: 11:40
